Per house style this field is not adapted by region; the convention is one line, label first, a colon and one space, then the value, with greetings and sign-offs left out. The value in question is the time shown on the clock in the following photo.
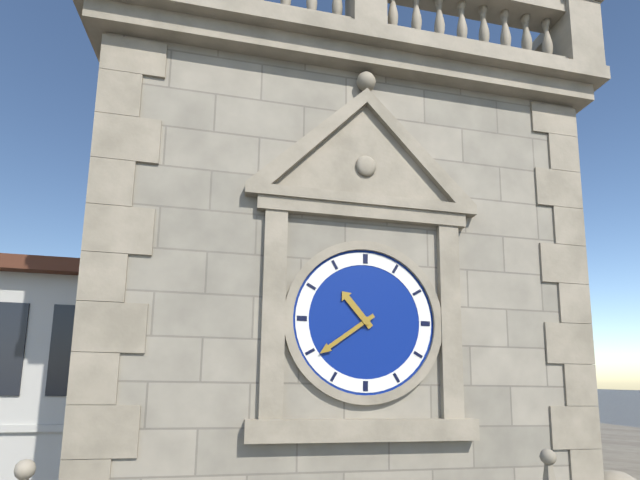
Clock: 10:39
